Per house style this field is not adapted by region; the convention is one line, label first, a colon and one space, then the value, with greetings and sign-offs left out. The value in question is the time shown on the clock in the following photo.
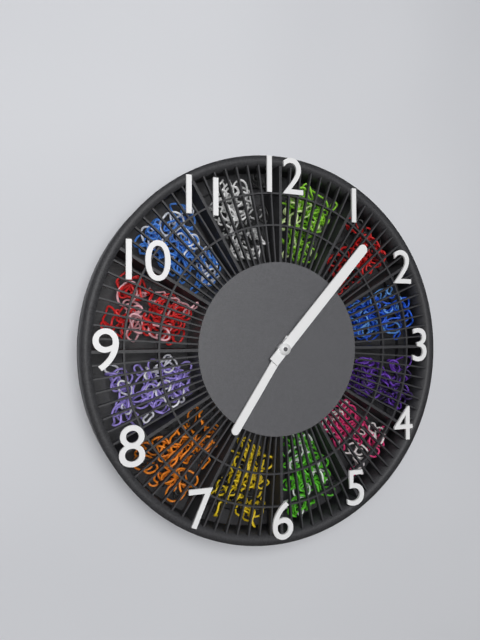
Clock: 7:07
